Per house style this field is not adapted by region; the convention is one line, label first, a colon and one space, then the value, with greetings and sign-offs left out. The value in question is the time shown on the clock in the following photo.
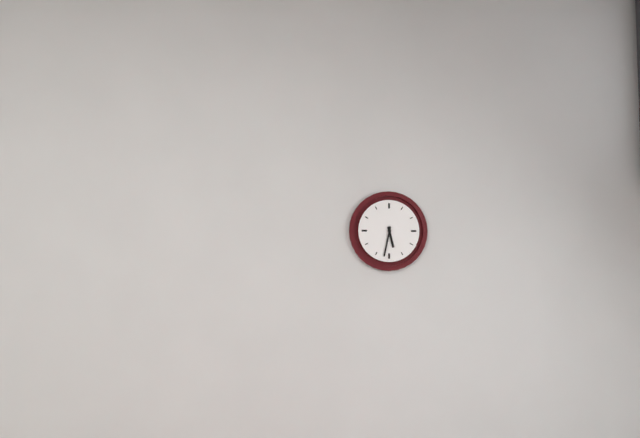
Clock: 5:32
